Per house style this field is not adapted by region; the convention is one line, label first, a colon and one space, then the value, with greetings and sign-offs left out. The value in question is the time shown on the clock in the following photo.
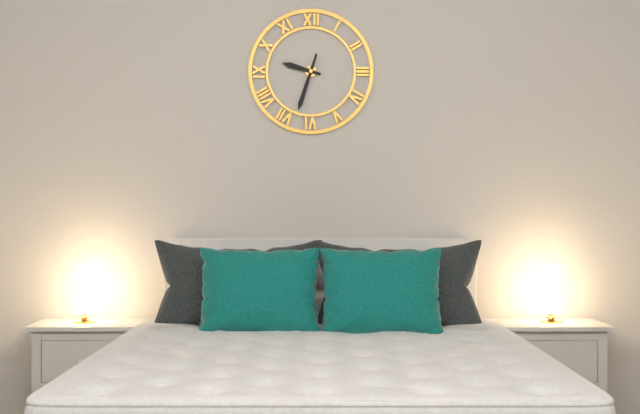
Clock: 9:33
